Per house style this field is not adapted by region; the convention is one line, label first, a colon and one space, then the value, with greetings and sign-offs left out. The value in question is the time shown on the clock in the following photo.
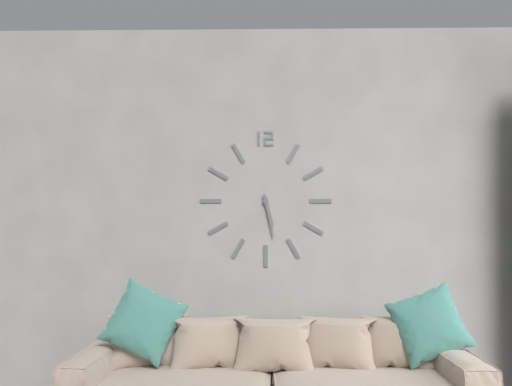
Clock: 5:28
